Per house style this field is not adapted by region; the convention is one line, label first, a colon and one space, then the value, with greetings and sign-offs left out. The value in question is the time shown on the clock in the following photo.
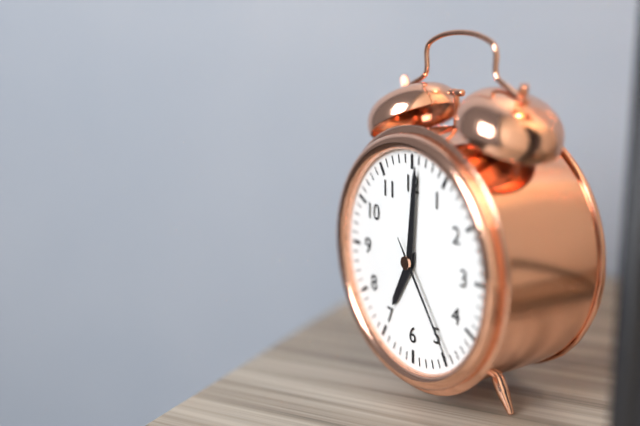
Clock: 7:01:24
